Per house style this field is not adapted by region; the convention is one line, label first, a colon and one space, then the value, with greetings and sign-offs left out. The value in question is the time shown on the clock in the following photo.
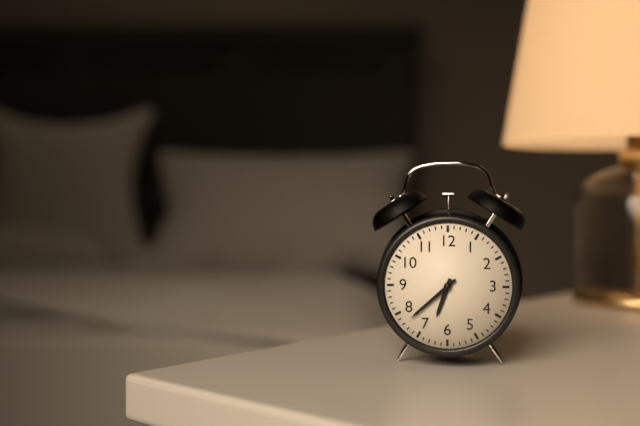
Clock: 6:38
